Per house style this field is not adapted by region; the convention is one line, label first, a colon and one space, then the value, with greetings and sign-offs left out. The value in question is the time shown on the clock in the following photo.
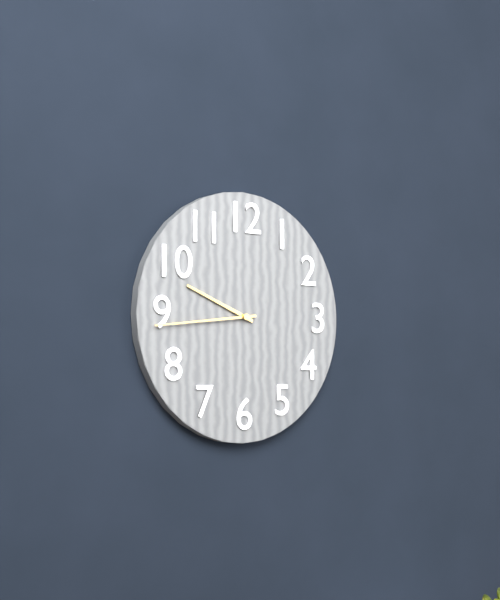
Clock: 9:44
